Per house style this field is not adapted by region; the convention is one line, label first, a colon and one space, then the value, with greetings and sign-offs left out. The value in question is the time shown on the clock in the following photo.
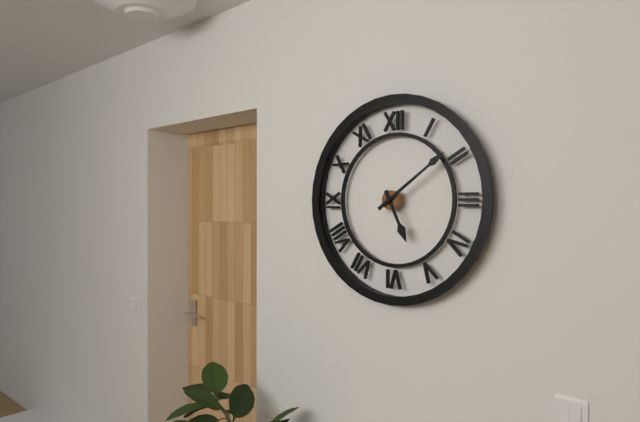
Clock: 5:09
